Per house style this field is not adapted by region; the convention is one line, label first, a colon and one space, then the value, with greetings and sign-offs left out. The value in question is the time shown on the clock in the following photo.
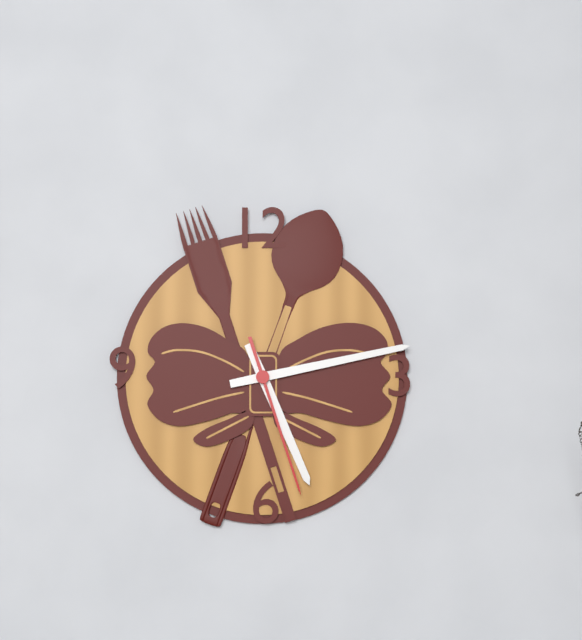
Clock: 5:13:27
